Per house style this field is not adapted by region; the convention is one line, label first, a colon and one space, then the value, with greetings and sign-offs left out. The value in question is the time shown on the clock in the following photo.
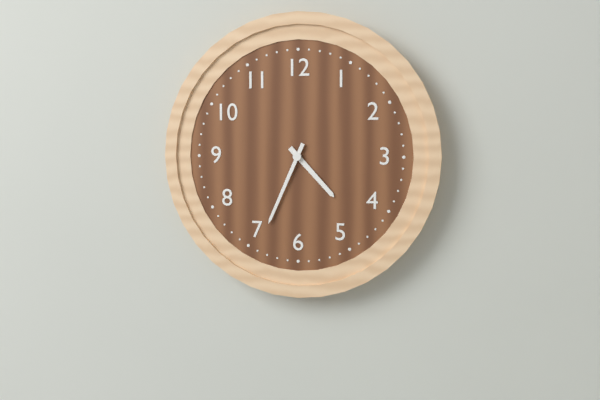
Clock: 4:34
